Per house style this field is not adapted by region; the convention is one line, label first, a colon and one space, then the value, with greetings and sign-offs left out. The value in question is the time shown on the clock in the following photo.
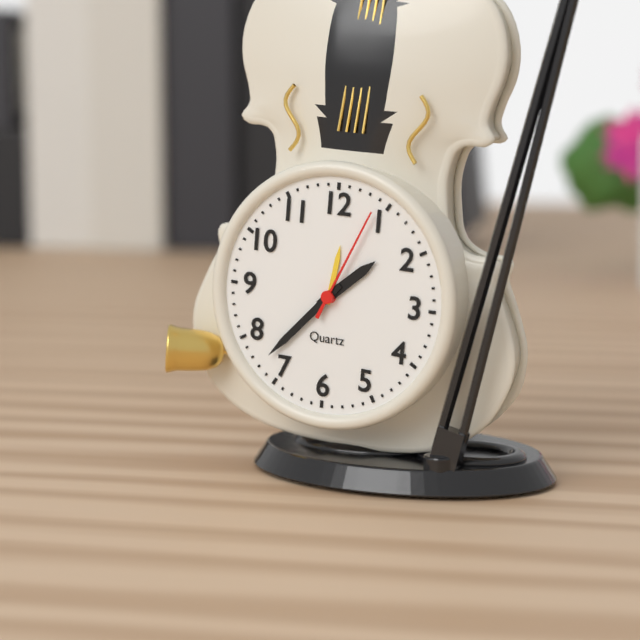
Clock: 1:37:04
